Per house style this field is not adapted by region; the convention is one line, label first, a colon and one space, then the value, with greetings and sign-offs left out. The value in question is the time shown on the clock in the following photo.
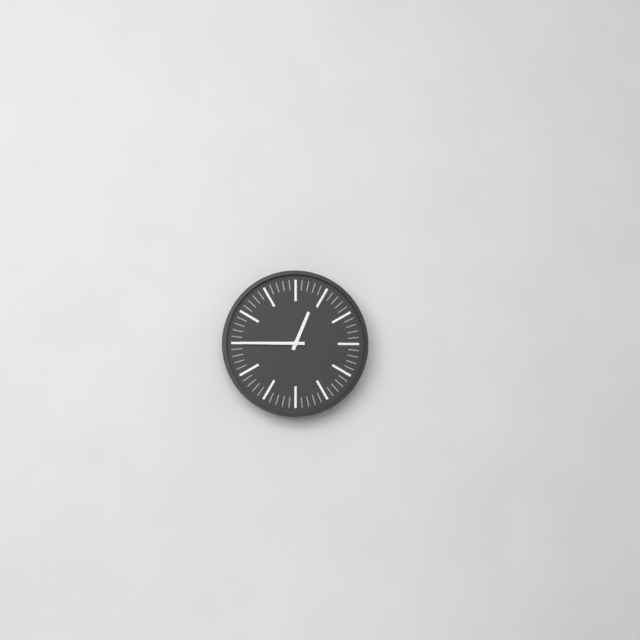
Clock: 12:45
